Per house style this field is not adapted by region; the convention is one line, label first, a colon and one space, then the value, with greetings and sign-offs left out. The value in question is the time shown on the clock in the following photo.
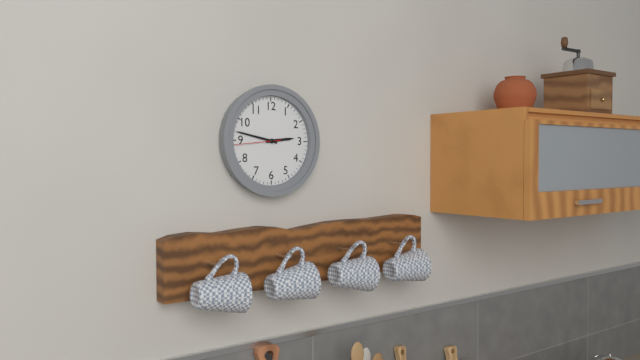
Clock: 2:47
